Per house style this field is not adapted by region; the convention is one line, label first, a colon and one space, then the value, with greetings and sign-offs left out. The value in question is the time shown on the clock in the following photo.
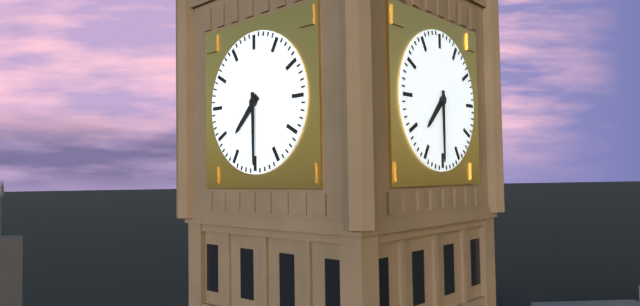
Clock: 7:30
